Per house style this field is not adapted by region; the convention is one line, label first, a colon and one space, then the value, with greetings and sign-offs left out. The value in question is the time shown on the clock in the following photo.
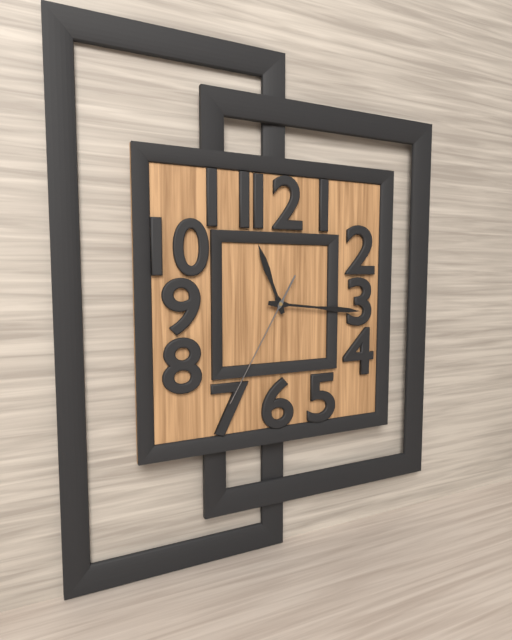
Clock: 11:16:35
